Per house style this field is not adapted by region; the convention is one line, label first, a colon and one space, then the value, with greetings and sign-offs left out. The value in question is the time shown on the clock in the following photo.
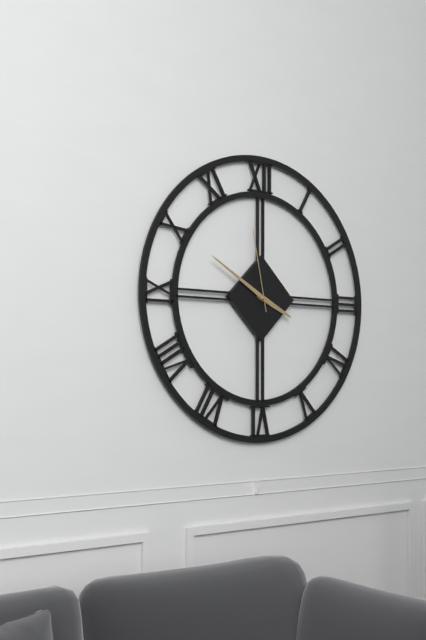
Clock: 3:50:58
